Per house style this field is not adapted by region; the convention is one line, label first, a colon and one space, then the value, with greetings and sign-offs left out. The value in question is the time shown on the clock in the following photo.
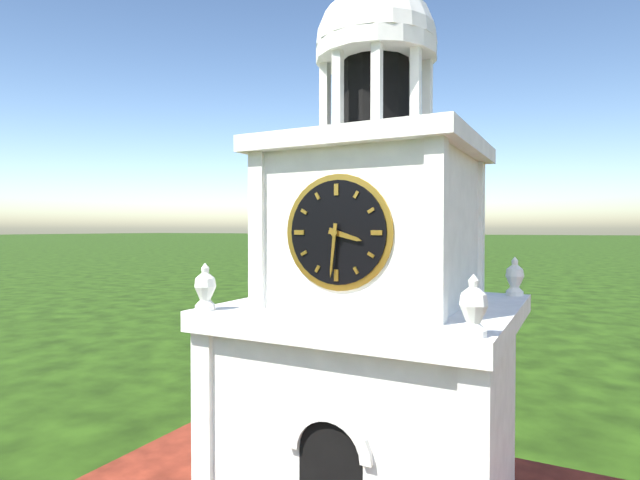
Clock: 3:31
